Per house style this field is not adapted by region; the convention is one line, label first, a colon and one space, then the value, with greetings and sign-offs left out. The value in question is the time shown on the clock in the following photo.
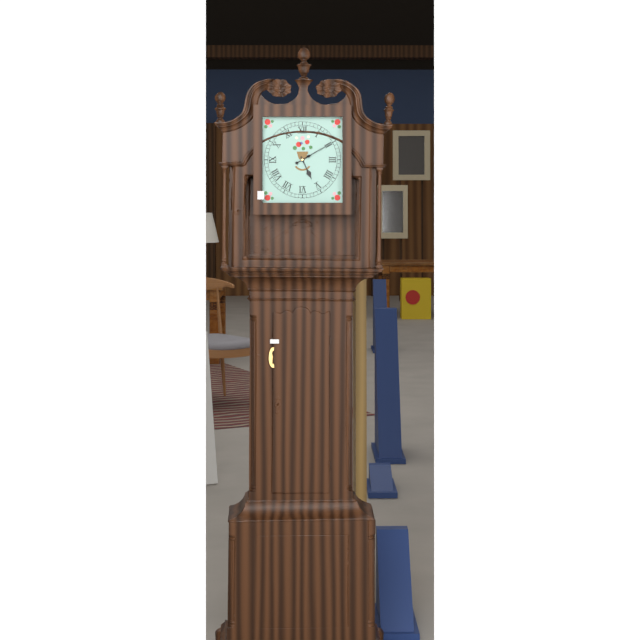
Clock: 5:10
